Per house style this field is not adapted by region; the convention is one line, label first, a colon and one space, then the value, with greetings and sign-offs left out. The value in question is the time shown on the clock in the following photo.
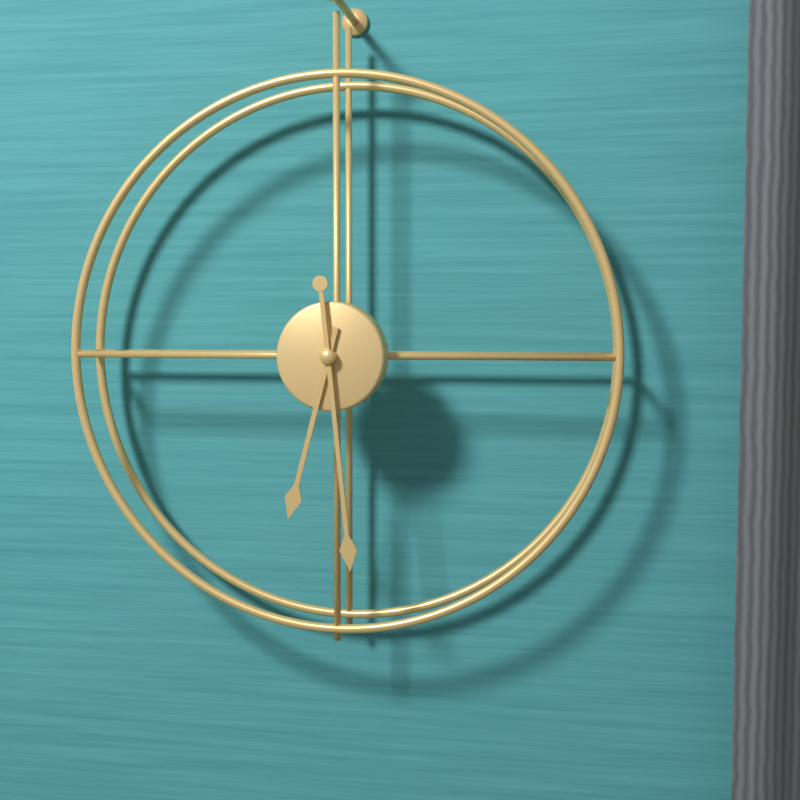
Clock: 6:29
